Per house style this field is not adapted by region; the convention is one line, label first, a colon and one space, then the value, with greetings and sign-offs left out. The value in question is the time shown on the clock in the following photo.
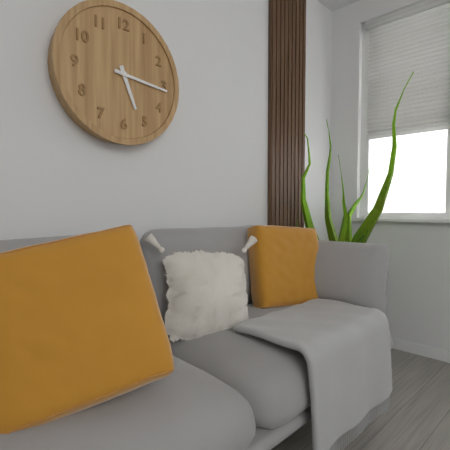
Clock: 5:16
